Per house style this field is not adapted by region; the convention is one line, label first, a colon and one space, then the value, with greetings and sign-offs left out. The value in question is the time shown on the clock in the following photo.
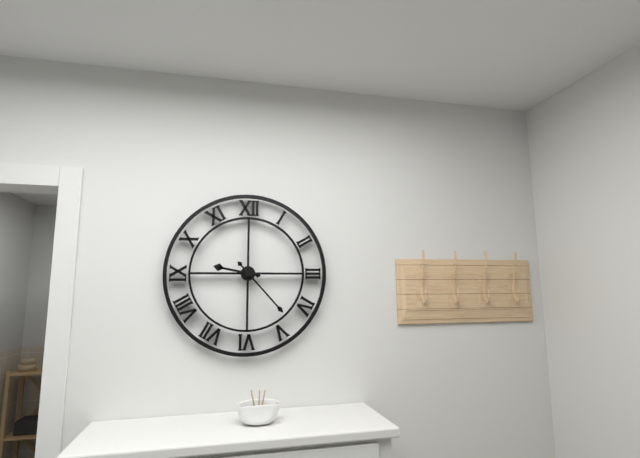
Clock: 9:23
